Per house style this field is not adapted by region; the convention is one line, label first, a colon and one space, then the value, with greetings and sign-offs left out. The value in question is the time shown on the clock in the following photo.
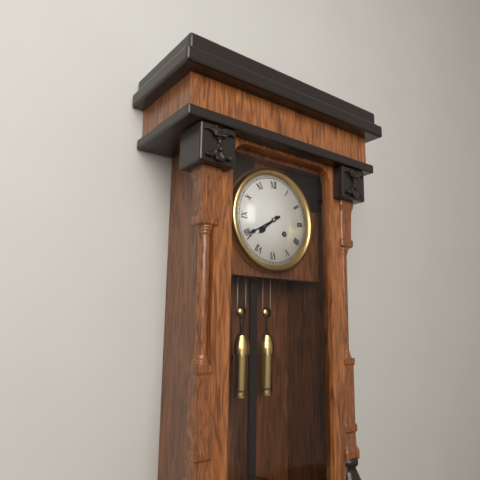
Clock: 7:40
